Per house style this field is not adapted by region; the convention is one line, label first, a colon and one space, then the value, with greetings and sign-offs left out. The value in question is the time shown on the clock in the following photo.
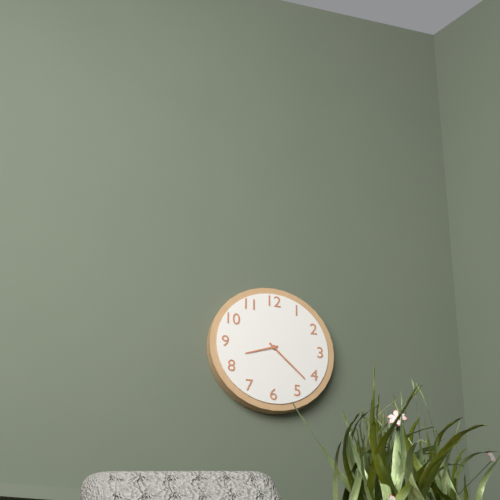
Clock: 8:22
